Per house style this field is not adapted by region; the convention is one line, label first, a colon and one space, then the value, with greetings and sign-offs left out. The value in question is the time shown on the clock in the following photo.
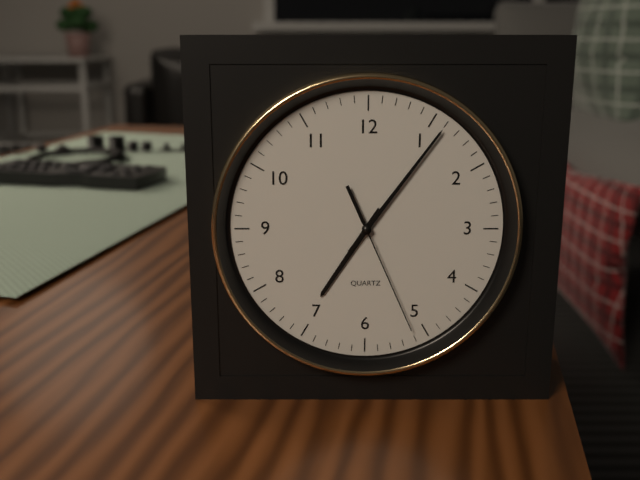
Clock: 7:06:26
